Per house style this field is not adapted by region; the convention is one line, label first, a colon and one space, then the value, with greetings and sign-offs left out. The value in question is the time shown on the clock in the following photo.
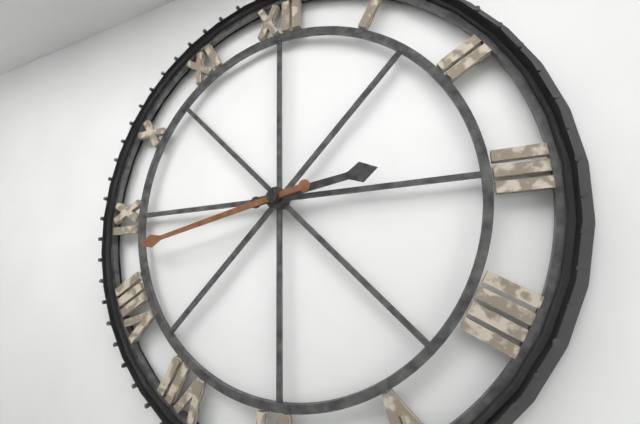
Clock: 2:43
